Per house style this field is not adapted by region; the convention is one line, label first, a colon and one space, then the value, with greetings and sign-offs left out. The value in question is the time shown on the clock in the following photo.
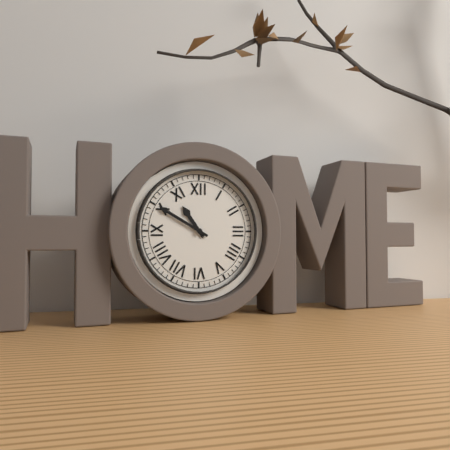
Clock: 10:50
